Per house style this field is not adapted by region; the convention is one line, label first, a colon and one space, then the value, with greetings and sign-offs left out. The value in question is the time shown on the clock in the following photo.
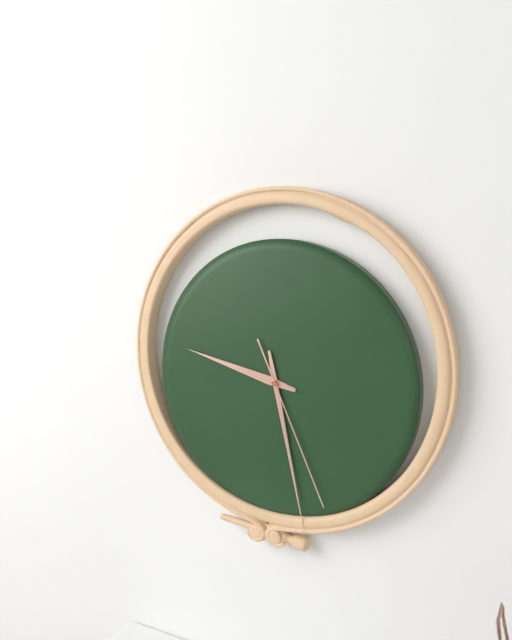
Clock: 9:28:26
